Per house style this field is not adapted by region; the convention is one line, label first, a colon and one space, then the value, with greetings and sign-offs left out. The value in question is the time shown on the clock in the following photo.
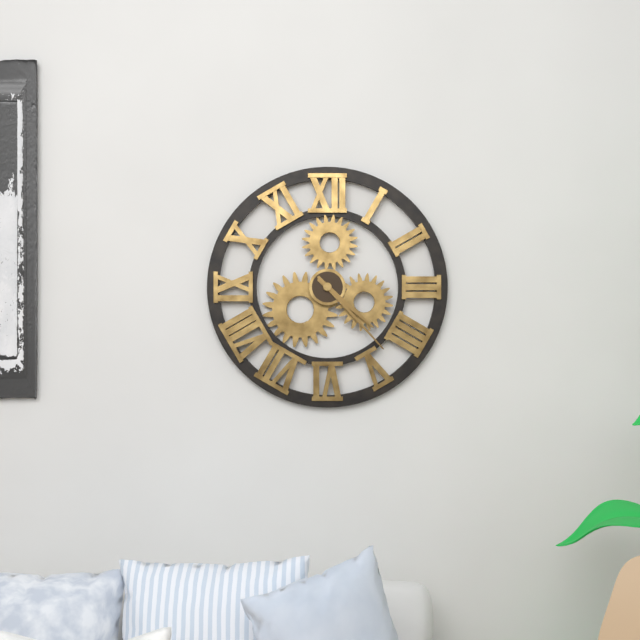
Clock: 4:23
